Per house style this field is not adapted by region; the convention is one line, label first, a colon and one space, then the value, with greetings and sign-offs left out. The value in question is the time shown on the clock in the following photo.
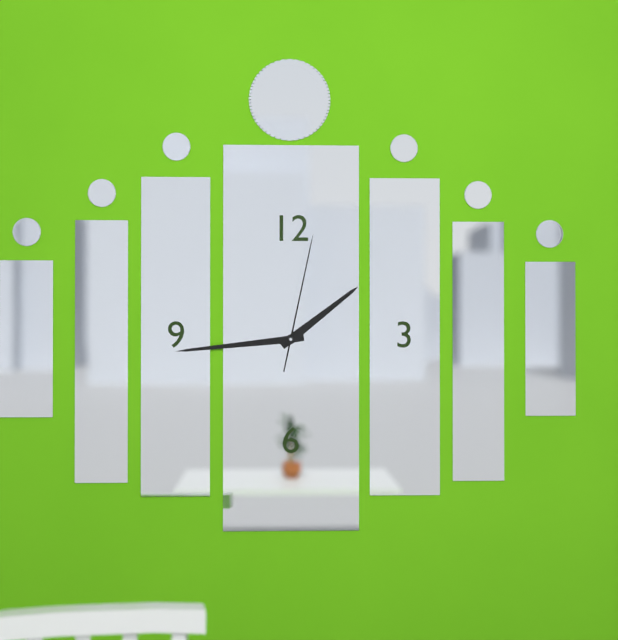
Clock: 1:44:02
